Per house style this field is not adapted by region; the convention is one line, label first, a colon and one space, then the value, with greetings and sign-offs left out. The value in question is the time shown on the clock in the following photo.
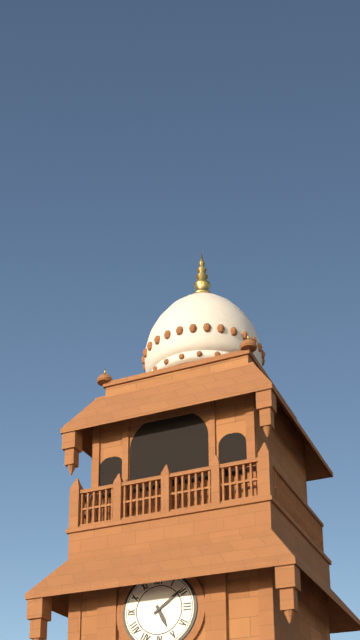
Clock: 5:09
